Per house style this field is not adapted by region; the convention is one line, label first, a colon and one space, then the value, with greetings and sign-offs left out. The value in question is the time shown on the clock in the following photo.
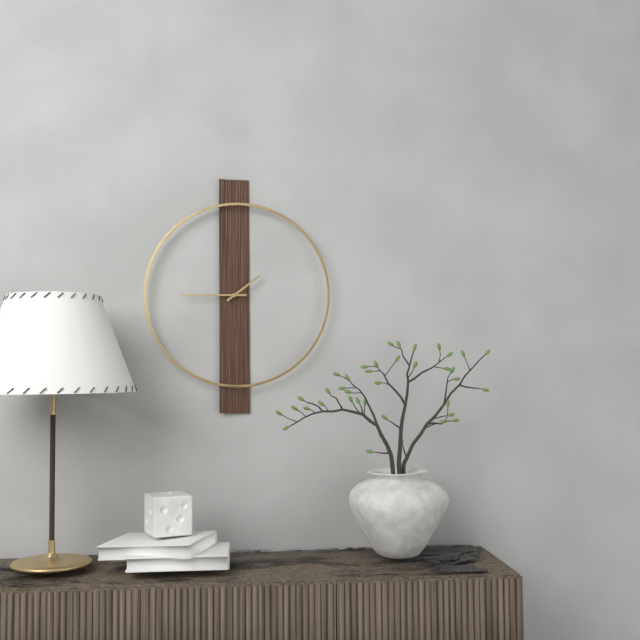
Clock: 1:45
